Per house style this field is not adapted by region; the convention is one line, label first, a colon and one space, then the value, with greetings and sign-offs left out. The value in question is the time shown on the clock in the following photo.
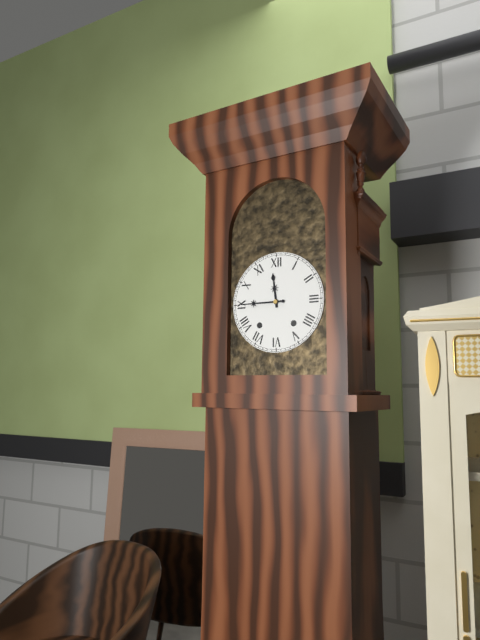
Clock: 11:45
